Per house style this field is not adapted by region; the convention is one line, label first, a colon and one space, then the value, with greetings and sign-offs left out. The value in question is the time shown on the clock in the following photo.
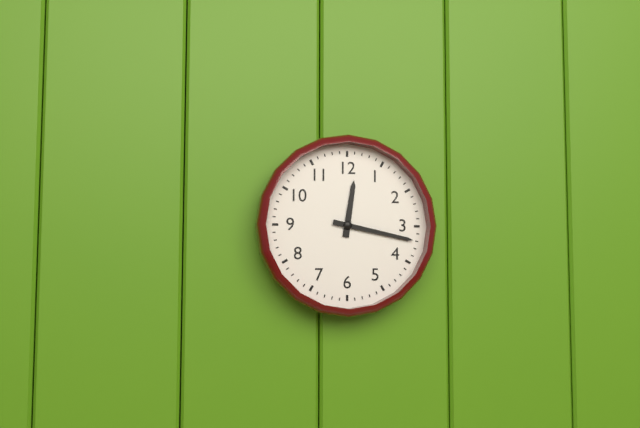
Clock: 12:17
